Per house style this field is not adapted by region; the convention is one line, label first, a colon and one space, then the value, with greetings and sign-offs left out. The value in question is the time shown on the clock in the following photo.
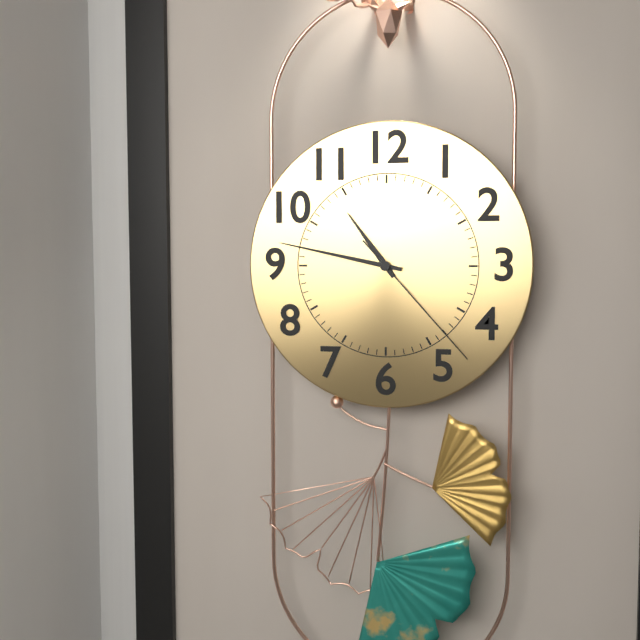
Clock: 10:47:23
